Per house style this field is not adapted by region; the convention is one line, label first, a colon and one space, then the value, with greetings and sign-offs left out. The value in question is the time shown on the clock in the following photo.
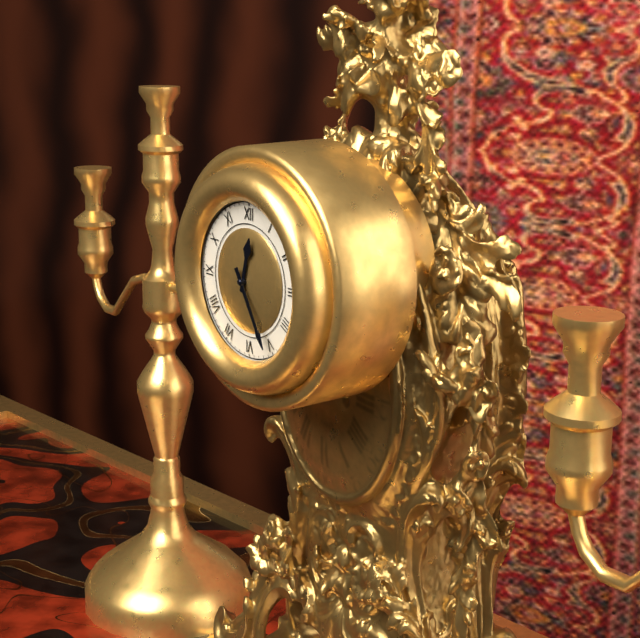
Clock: 12:25
